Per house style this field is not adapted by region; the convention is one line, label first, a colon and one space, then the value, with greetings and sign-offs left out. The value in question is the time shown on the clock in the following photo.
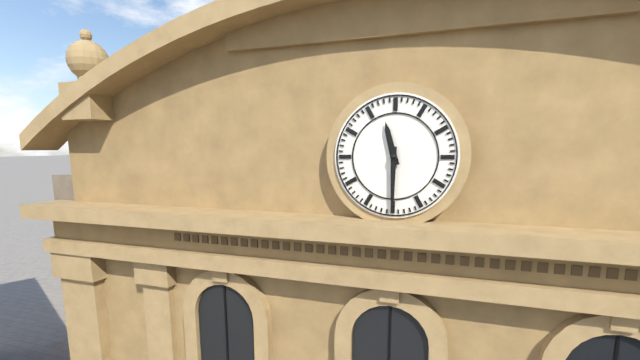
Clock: 11:30
